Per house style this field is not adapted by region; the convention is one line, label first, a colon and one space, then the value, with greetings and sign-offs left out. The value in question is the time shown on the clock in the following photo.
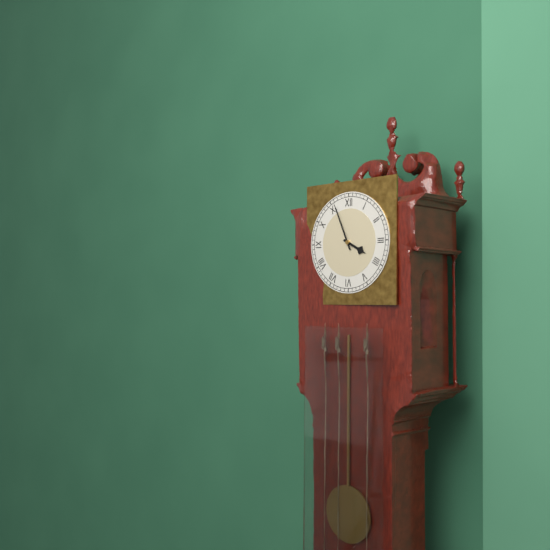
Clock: 3:56
